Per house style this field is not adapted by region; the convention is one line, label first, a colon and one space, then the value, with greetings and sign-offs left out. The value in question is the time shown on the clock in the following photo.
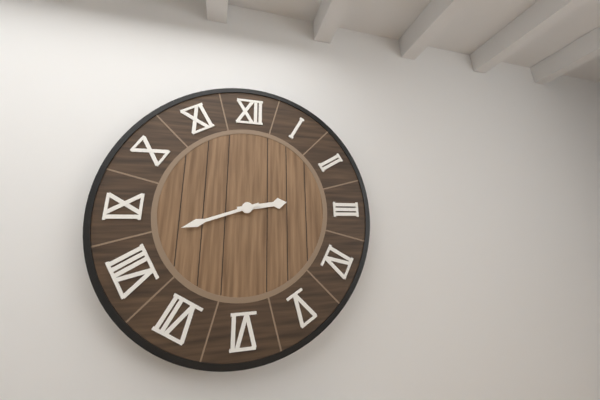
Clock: 2:42
